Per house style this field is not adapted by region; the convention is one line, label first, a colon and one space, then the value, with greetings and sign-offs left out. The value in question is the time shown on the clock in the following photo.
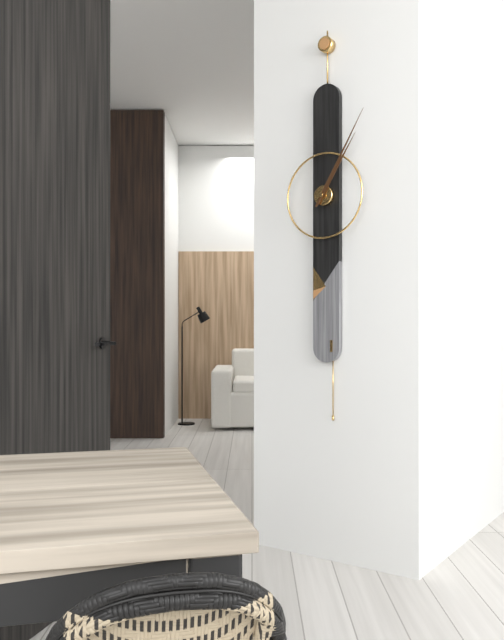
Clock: 1:05
